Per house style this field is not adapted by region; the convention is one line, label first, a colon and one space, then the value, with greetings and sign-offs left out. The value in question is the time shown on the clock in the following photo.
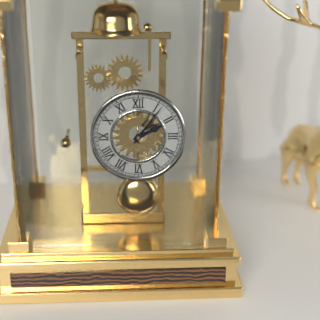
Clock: 2:06
